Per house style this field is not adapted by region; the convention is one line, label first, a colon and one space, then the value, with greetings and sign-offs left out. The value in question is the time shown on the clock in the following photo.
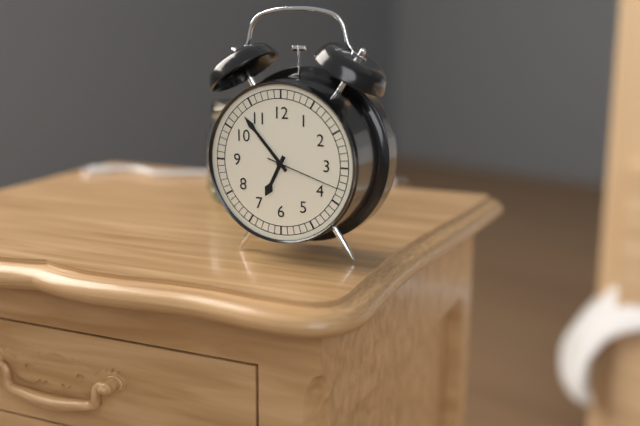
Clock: 6:53:18
